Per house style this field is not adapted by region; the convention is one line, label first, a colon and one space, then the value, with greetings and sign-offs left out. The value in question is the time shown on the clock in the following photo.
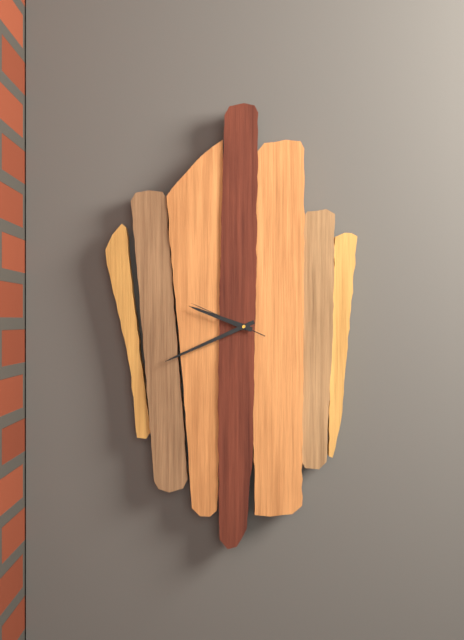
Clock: 9:41:49
